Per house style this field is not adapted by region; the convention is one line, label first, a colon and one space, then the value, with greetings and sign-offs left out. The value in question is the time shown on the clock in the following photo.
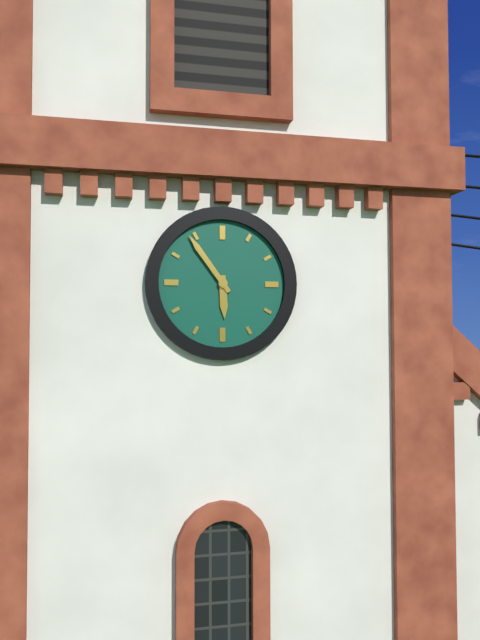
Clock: 5:54
